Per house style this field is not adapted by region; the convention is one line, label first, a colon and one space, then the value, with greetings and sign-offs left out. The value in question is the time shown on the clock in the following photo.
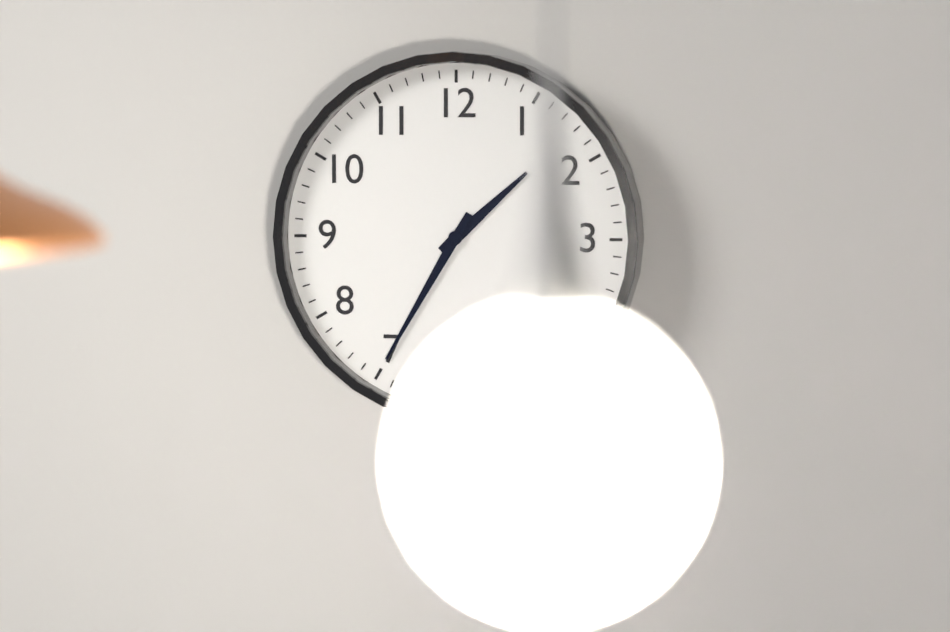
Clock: 1:35
